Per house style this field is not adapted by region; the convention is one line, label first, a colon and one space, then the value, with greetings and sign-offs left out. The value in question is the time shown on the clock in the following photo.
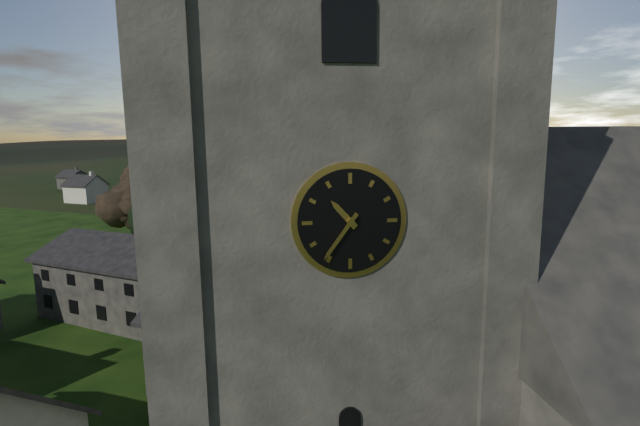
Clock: 10:36
